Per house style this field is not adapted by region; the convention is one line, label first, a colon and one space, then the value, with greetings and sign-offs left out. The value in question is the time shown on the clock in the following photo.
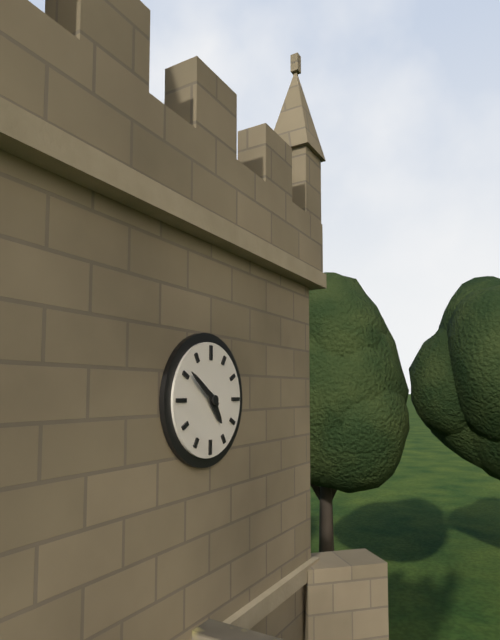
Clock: 4:51
